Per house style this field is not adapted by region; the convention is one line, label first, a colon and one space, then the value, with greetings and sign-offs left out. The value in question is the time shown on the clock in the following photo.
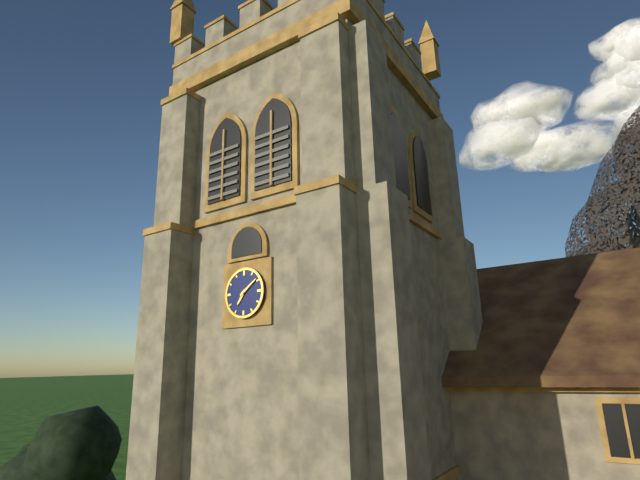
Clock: 7:09
